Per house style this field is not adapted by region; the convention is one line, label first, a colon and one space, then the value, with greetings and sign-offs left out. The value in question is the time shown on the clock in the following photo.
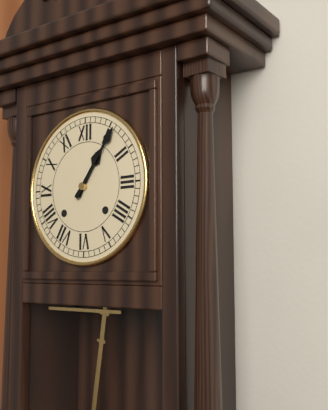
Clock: 1:06
